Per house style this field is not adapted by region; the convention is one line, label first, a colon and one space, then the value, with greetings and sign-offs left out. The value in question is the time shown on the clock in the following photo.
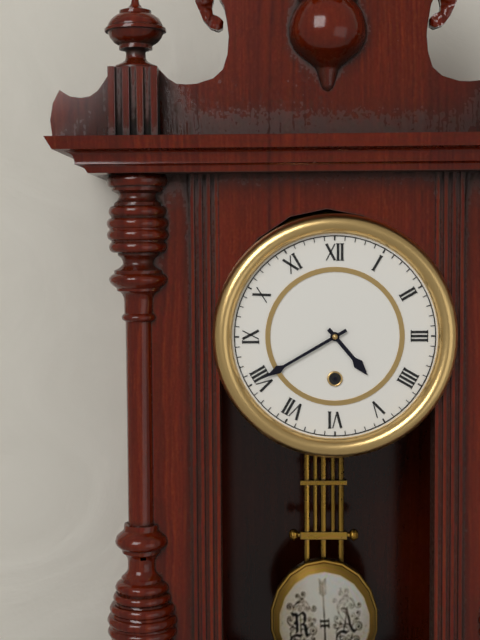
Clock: 4:40
